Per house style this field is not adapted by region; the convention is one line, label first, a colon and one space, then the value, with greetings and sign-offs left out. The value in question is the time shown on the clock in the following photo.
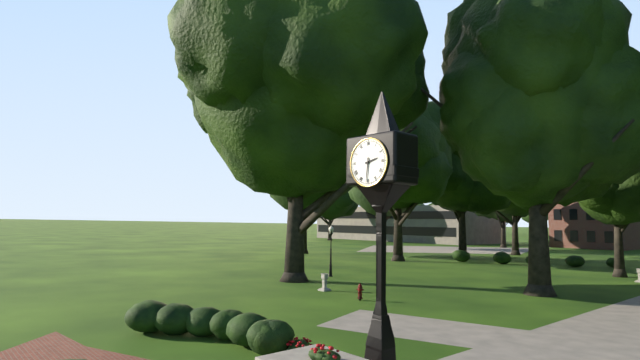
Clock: 2:31
